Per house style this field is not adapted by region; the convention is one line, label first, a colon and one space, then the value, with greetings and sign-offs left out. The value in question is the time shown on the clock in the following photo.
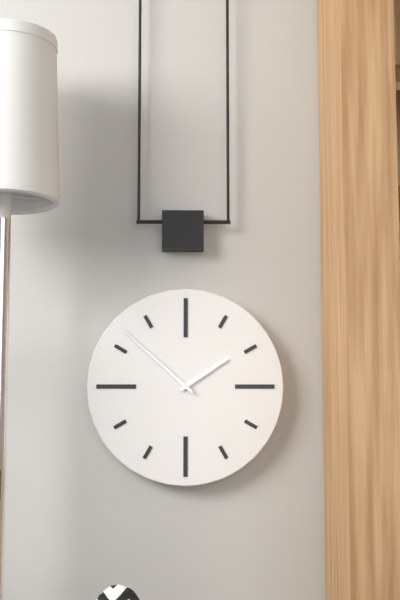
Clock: 1:52:52
